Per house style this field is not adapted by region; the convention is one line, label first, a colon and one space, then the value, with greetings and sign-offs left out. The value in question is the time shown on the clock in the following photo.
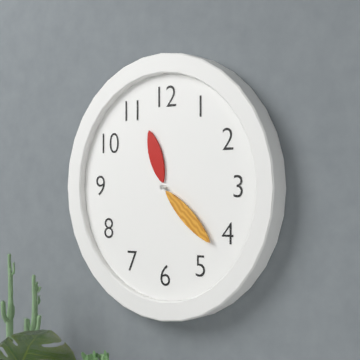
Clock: 11:22
